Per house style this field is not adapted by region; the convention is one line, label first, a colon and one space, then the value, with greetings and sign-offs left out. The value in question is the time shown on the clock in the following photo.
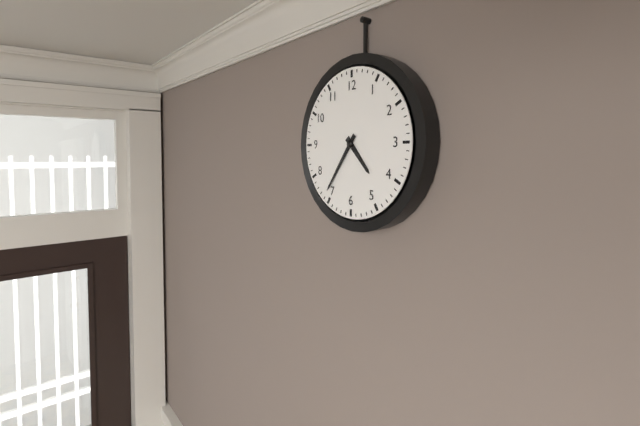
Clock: 4:36
